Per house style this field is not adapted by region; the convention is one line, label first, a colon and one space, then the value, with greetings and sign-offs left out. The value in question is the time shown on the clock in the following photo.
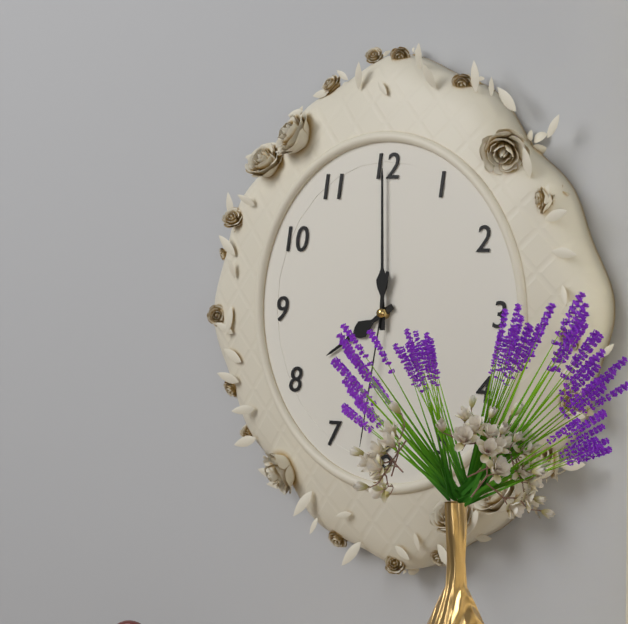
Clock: 8:00:32
